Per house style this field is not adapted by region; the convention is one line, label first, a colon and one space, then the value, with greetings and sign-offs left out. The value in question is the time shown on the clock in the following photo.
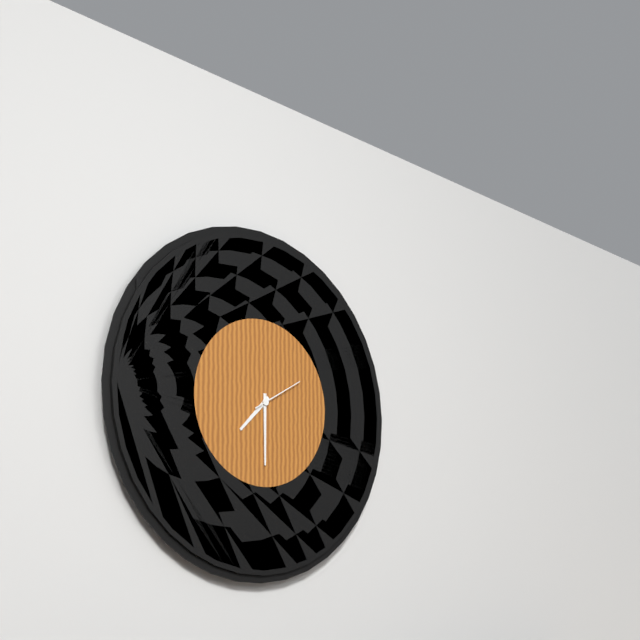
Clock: 7:30
